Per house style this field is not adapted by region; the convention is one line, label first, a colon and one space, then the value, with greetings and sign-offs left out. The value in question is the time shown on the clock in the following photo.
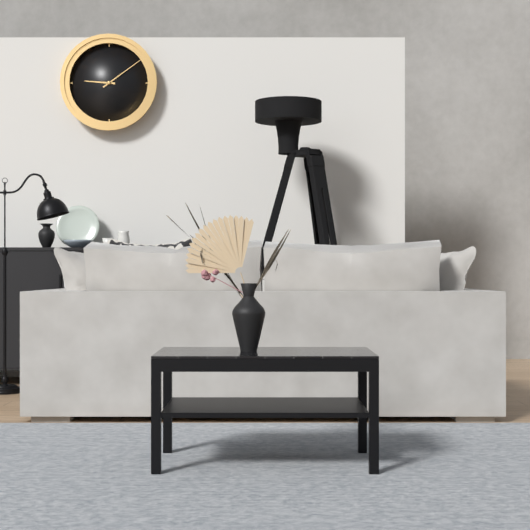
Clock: 9:09
